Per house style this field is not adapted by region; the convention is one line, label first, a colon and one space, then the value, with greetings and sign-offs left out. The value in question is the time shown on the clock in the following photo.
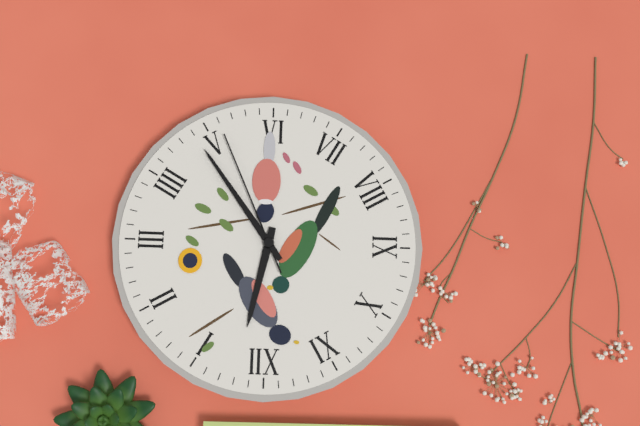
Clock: 12:24:26
